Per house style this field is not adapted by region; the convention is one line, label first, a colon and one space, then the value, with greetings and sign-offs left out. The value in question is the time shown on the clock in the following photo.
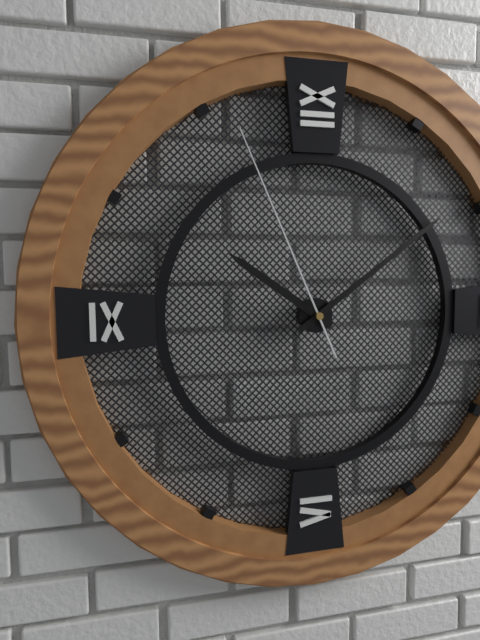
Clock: 10:09:56
